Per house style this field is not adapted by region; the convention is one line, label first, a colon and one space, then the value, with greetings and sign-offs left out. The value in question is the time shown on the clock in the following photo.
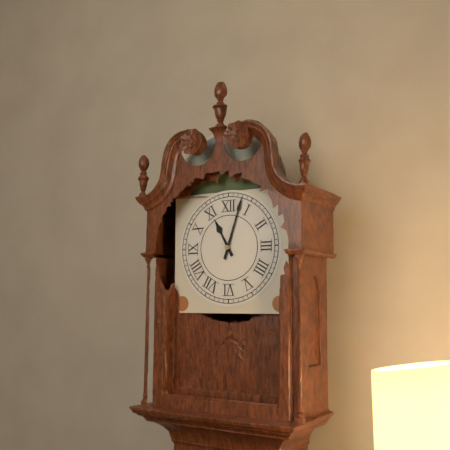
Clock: 11:03
